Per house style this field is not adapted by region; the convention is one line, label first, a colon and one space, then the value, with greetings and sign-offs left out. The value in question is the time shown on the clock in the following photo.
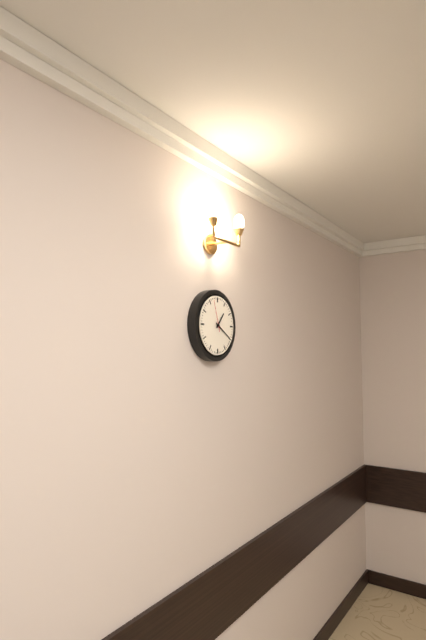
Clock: 1:20
